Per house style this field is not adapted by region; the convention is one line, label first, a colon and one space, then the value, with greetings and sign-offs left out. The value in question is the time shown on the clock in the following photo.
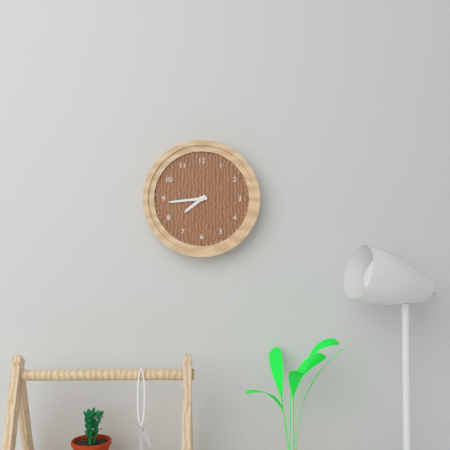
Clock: 7:44
